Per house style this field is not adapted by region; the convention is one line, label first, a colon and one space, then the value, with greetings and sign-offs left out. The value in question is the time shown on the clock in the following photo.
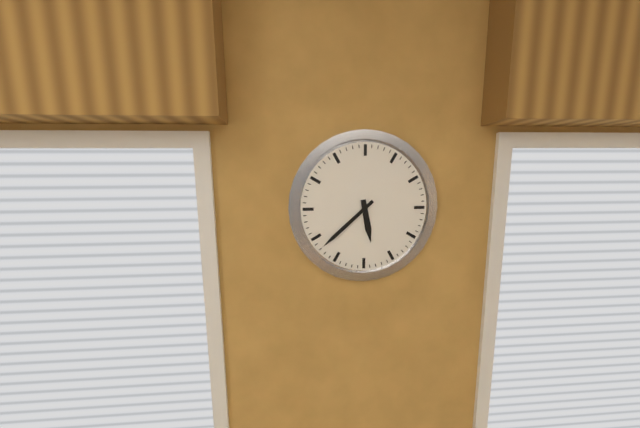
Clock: 5:38
